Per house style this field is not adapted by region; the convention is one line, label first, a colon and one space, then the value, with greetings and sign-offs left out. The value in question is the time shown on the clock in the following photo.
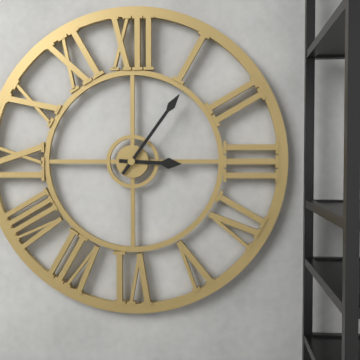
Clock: 3:06
